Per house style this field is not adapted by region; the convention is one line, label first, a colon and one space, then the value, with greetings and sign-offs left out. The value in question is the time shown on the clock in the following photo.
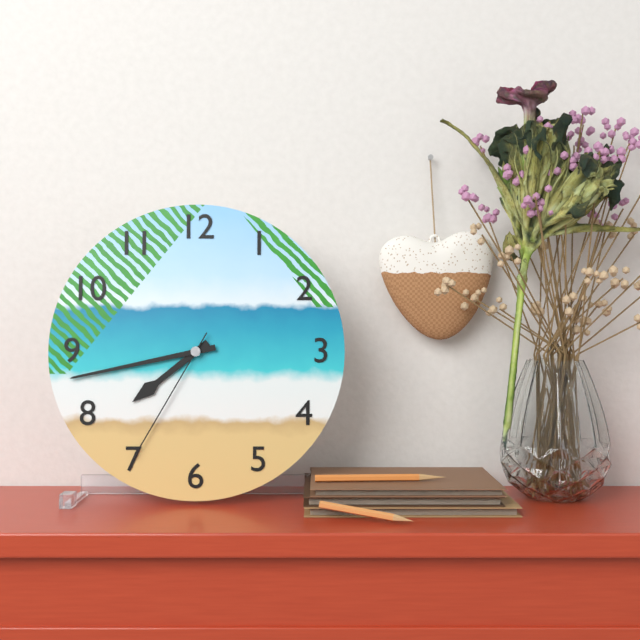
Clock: 7:43:35
